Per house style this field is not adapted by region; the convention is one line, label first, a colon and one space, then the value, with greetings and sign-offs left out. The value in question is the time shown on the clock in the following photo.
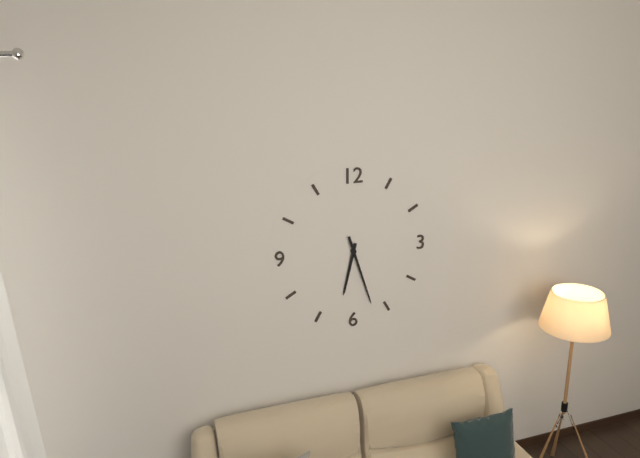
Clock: 6:27
